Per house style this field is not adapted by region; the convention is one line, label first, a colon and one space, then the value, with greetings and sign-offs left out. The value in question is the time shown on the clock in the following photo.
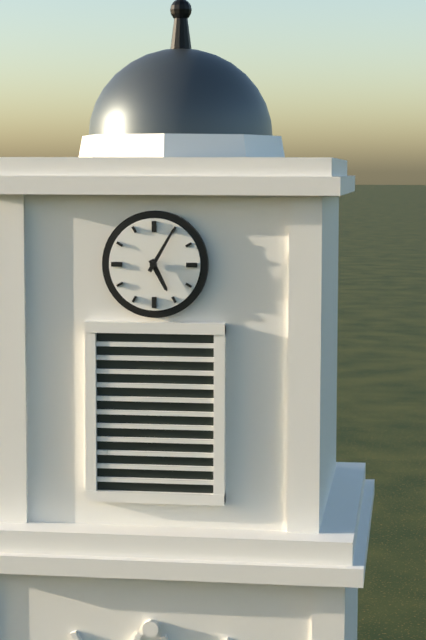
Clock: 5:05
